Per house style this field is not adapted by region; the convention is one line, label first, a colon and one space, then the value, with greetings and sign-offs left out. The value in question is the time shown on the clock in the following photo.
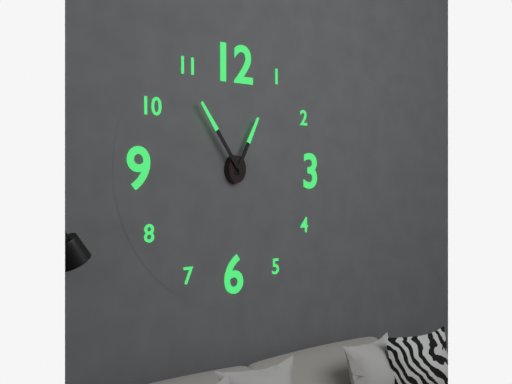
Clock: 12:54
